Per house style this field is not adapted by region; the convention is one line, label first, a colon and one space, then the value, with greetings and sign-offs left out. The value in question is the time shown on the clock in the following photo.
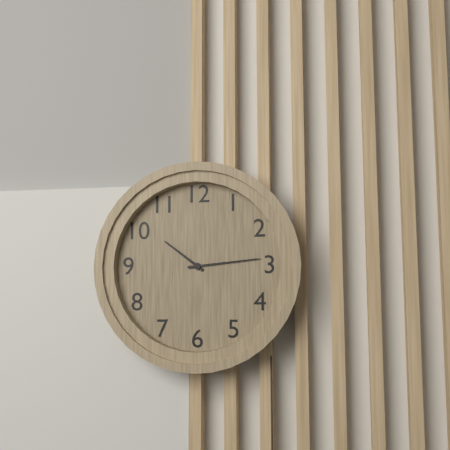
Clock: 10:14
